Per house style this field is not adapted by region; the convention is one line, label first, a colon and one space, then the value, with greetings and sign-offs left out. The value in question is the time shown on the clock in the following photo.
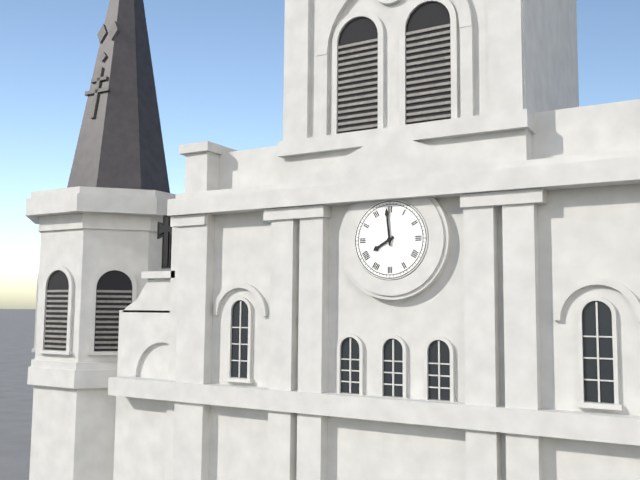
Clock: 7:59
